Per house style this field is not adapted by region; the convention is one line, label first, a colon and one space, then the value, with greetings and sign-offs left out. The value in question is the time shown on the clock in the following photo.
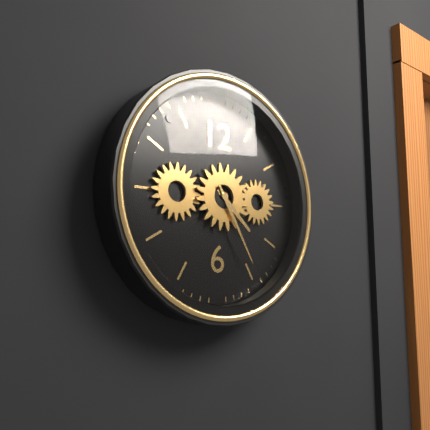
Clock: 4:25
